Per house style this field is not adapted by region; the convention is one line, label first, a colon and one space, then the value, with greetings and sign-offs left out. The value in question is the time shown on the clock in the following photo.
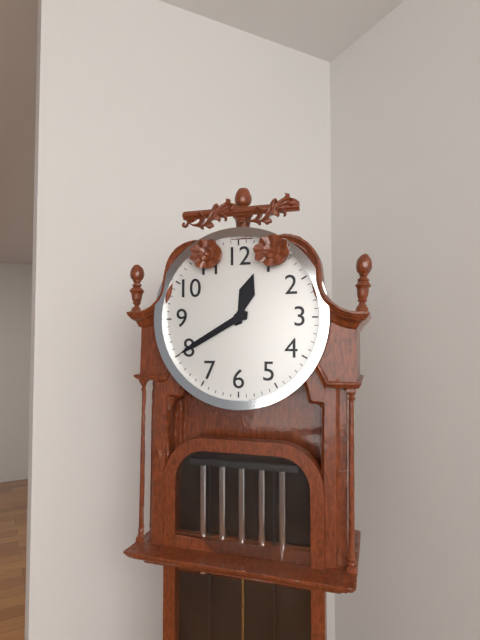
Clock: 12:40
